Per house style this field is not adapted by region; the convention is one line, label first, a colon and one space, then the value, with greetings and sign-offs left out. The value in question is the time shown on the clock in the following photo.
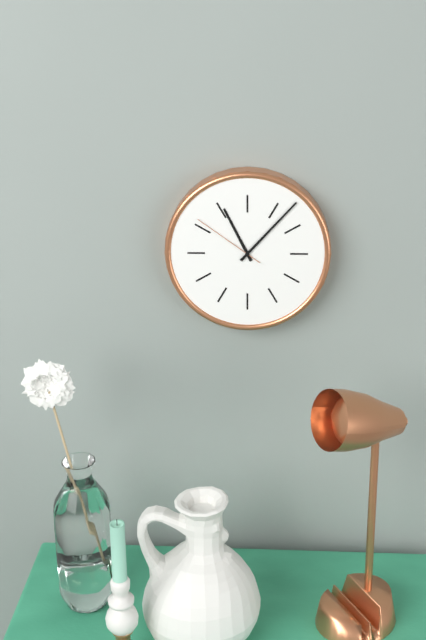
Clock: 11:07:51
